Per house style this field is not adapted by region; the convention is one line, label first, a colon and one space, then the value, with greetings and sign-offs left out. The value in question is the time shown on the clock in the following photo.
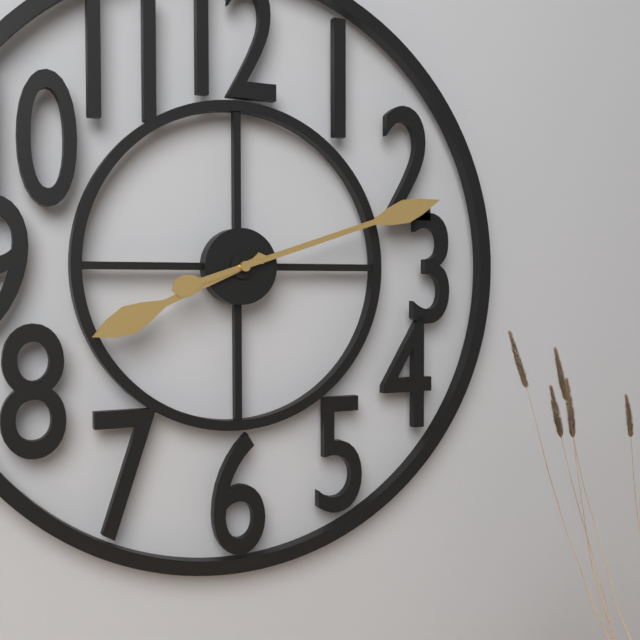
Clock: 8:12
